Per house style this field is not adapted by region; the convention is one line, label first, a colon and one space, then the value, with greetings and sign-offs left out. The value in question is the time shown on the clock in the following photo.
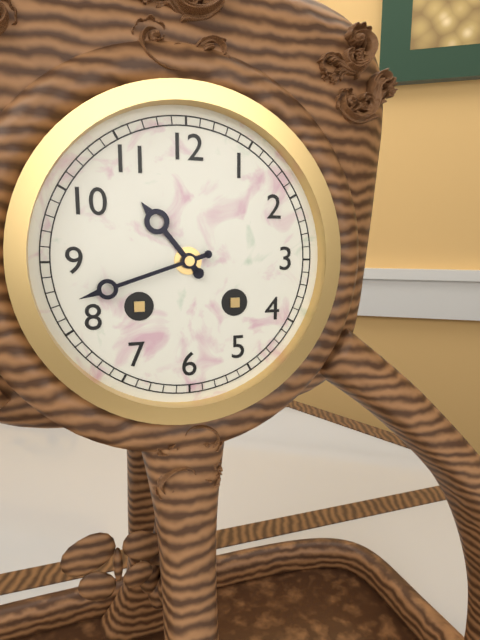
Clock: 10:42
